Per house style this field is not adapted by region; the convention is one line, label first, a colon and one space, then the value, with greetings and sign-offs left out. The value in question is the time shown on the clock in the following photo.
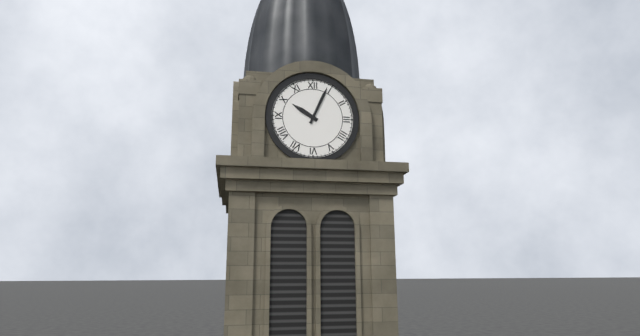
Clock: 10:04
